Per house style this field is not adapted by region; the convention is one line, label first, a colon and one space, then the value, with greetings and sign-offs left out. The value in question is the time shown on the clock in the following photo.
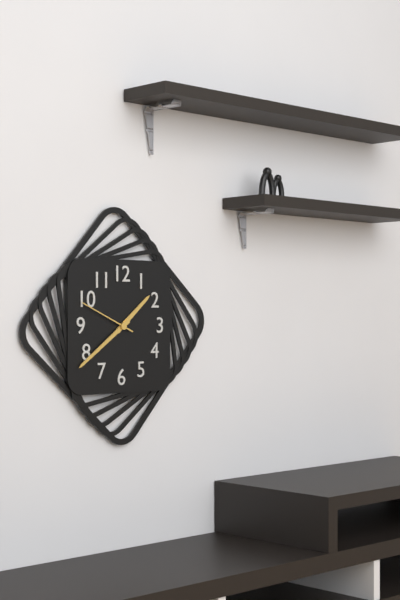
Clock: 1:39:49
